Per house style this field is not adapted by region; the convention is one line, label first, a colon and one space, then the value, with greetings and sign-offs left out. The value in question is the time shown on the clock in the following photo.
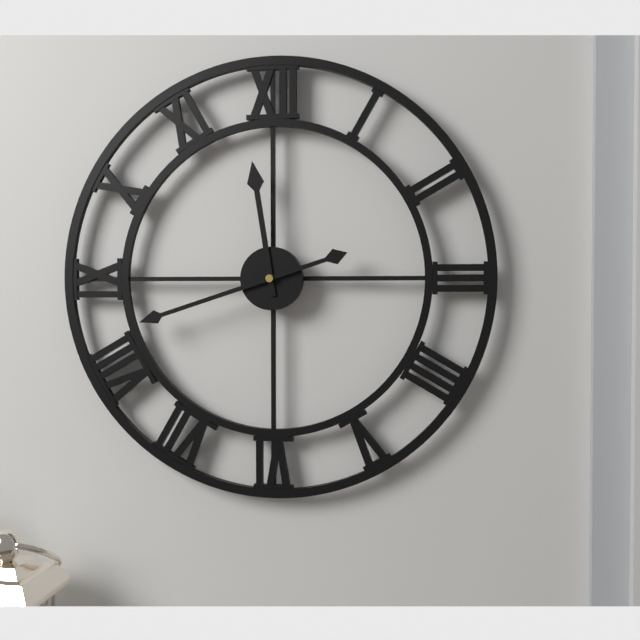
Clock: 11:42
